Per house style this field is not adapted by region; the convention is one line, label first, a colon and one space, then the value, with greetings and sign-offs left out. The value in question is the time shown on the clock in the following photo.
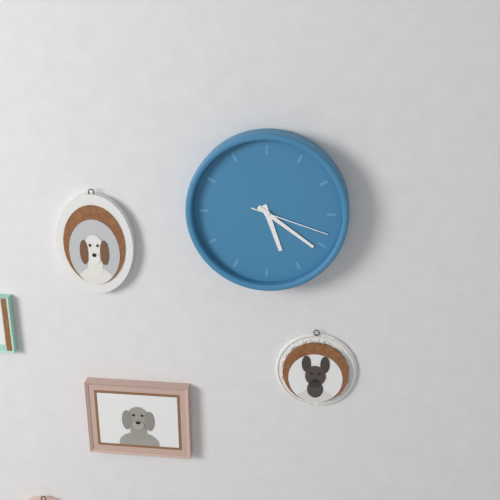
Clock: 5:21:18
